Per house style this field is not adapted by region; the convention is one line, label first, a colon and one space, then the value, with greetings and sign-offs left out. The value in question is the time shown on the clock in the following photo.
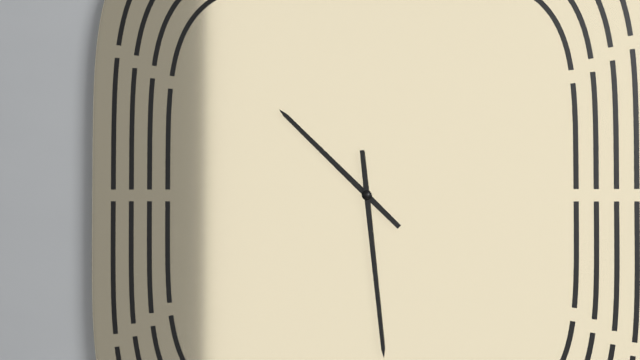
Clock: 10:29
